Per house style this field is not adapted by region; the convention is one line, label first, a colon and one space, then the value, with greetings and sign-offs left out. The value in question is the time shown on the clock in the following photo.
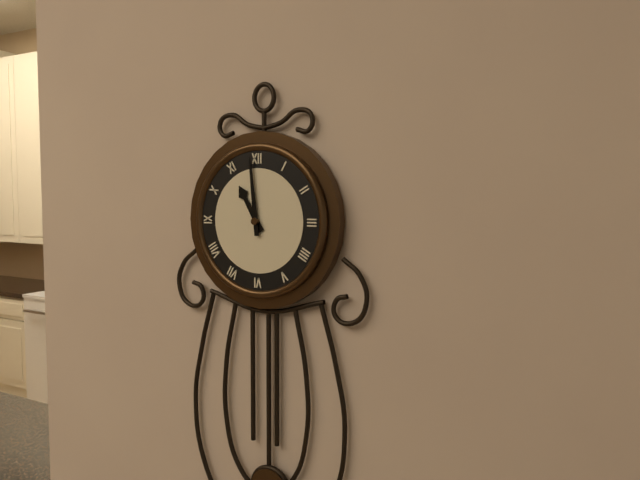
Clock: 10:59
